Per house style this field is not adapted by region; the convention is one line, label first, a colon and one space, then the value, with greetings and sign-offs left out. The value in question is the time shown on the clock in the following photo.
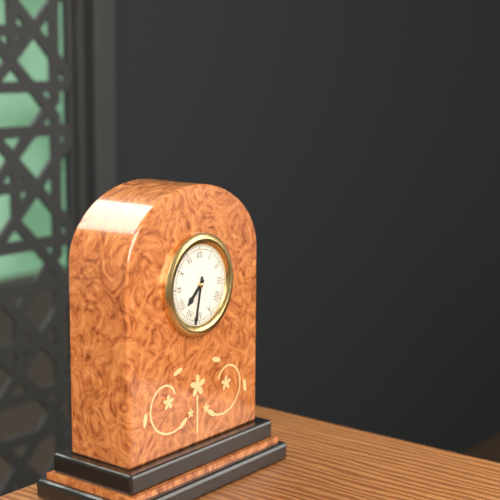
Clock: 7:32
